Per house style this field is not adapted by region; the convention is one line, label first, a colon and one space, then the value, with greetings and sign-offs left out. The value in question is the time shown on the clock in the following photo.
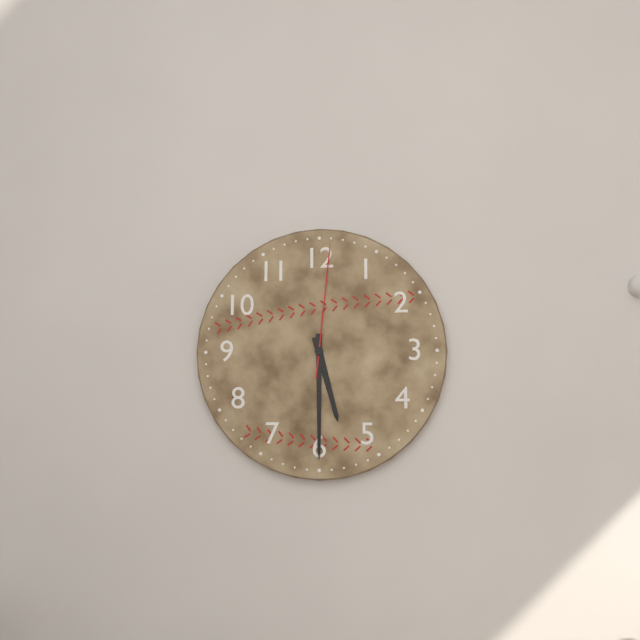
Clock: 5:30:01
